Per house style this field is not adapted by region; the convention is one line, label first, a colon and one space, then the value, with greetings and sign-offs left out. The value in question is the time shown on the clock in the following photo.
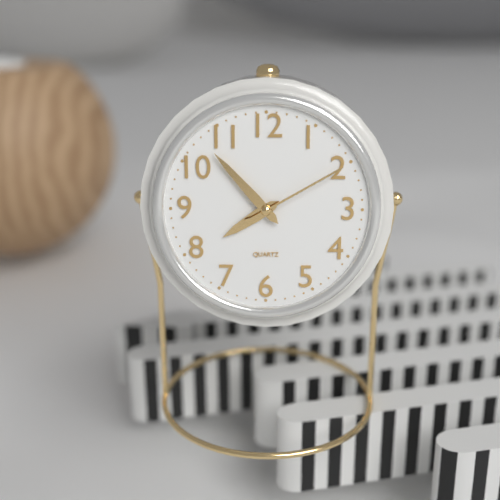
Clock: 7:53:10
